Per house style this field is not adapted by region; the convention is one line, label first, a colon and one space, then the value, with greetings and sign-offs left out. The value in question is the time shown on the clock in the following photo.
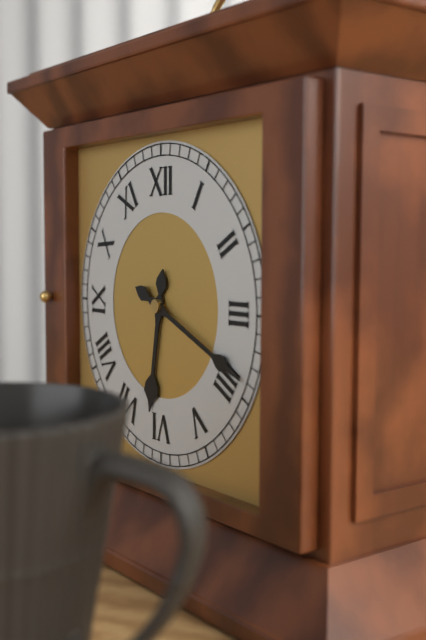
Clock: 6:19
